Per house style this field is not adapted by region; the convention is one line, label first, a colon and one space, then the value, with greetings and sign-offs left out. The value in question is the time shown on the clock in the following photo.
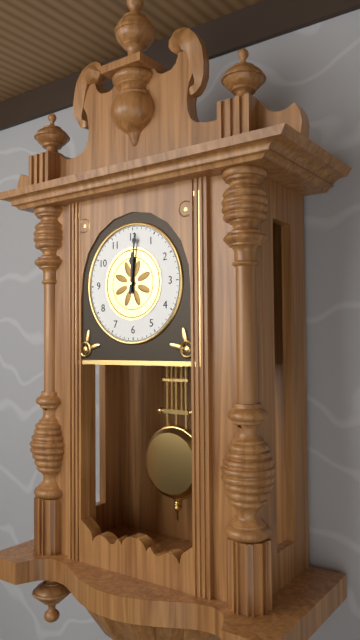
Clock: 12:01
